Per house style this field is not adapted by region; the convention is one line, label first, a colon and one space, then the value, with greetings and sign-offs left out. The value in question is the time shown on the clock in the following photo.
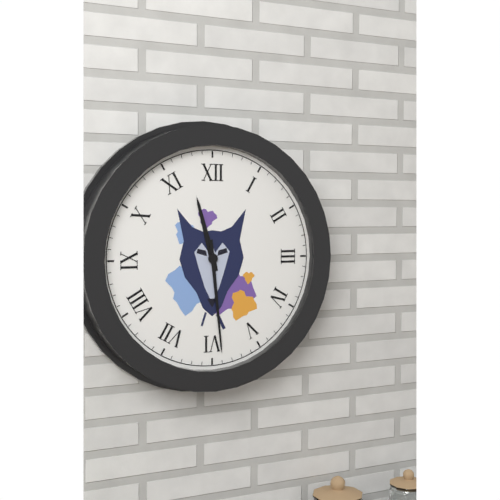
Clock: 11:29
